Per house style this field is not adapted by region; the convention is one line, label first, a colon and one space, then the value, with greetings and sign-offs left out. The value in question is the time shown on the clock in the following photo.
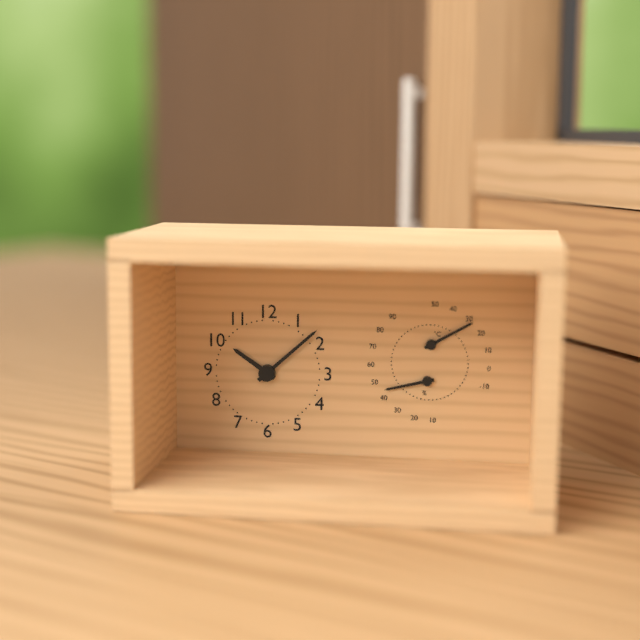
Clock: 10:08
